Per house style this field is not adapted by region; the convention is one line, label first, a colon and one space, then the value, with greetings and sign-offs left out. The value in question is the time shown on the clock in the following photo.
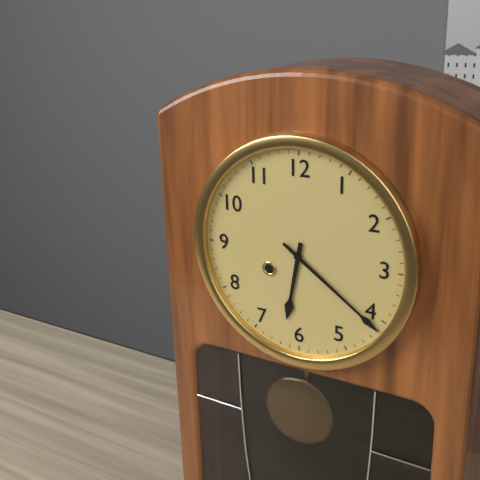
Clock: 6:21
